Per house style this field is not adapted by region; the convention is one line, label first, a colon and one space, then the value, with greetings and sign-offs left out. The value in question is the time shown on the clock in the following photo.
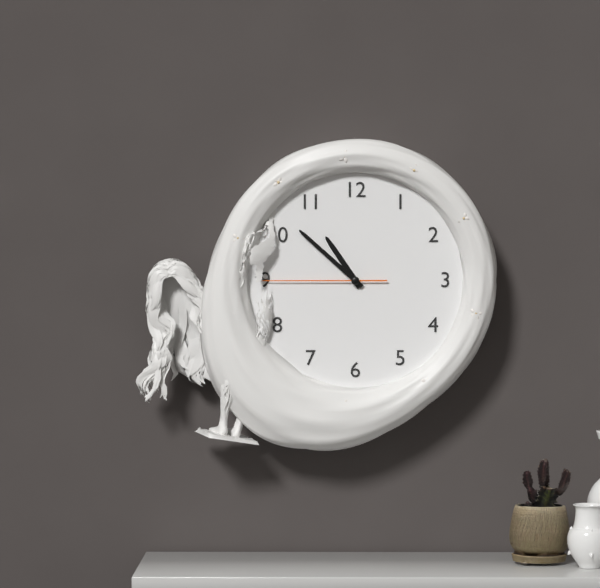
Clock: 10:52:45
